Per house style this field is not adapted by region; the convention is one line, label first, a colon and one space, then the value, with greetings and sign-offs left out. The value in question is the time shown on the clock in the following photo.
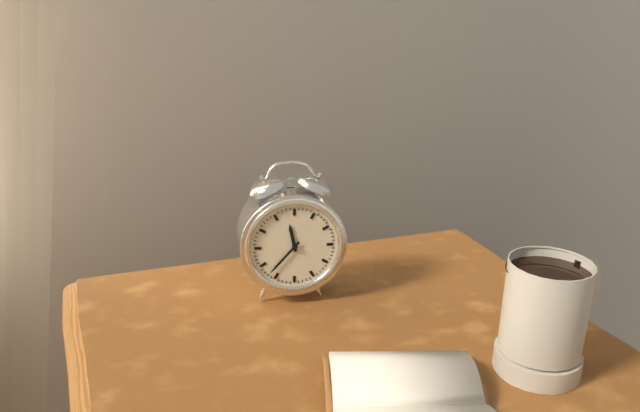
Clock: 11:37
